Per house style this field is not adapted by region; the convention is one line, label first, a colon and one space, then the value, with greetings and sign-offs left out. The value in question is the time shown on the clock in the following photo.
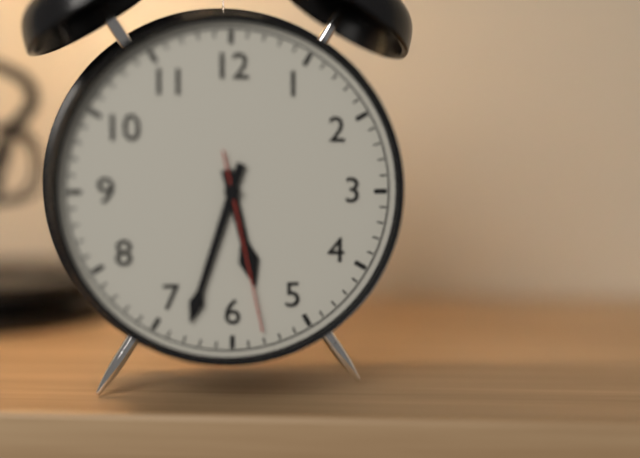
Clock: 5:33:28
